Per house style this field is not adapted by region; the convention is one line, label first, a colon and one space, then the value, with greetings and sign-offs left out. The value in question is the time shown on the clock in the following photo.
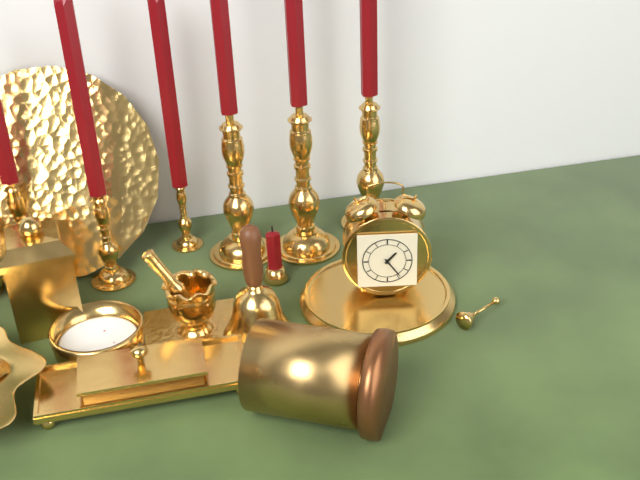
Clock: 1:24
